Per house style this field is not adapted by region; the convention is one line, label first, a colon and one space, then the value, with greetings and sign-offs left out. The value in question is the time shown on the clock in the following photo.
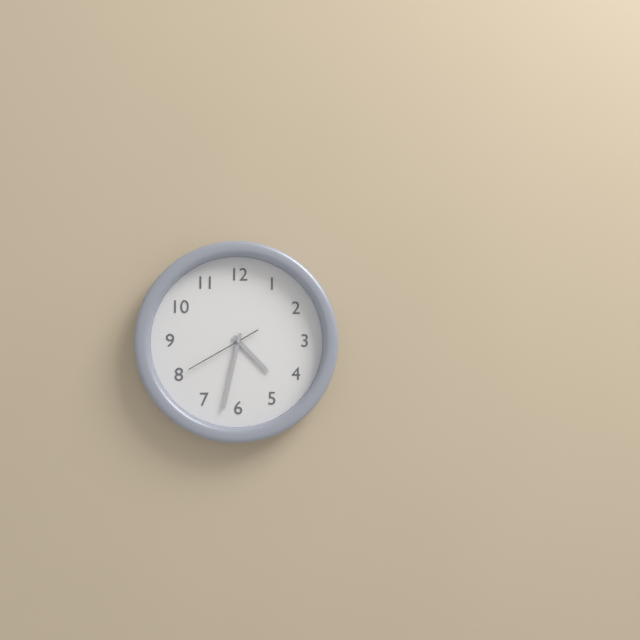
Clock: 4:32:40
